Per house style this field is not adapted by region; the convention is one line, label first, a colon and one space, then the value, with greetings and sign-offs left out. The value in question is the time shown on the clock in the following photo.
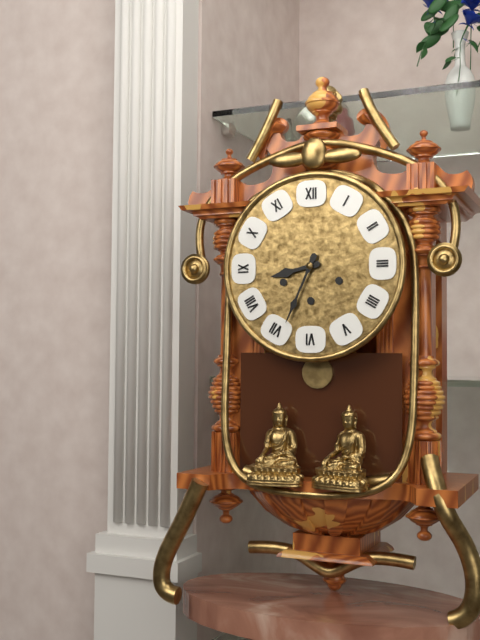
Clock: 8:34
